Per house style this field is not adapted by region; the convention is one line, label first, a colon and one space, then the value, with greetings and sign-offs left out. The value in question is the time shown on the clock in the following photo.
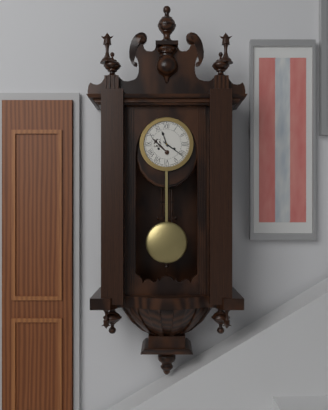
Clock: 11:21
